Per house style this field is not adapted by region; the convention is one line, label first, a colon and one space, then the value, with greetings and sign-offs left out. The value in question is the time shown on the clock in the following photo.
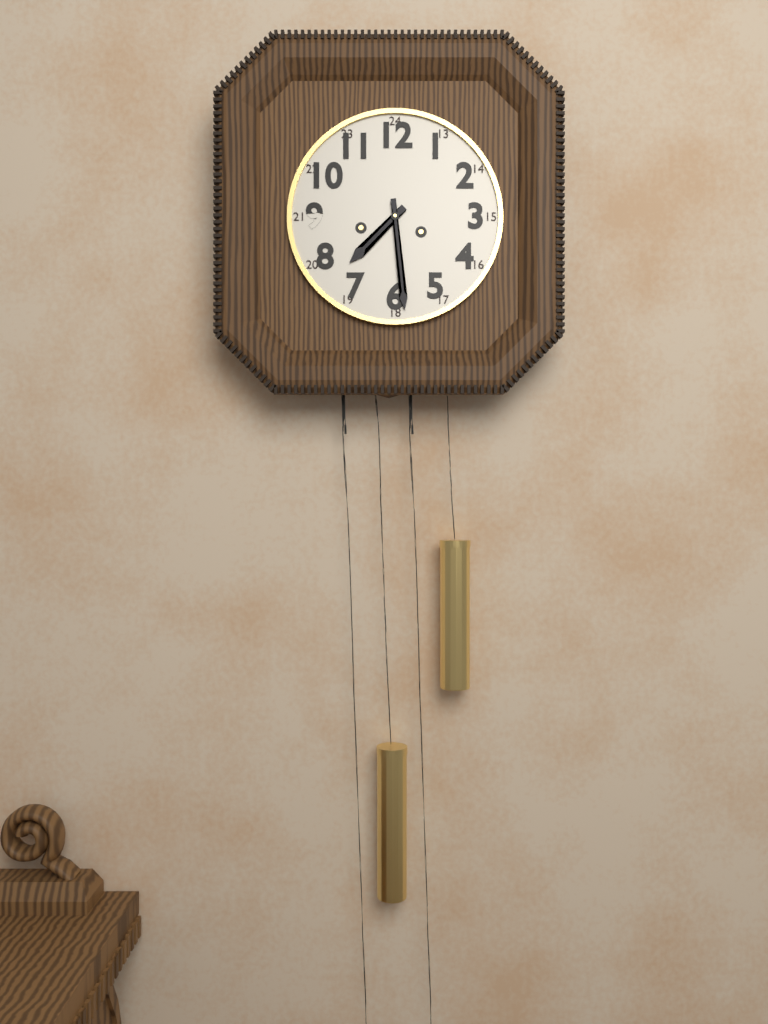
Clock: 7:29
